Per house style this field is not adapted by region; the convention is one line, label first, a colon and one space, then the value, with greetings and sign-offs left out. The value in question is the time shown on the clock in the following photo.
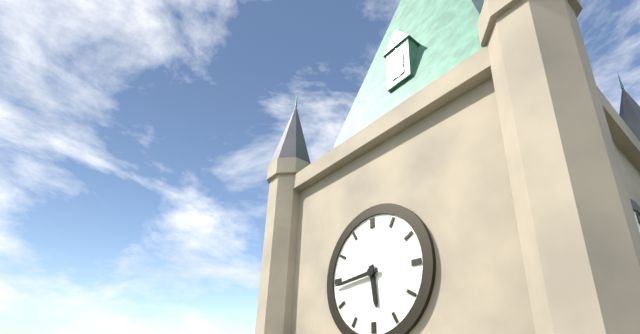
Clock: 5:44
